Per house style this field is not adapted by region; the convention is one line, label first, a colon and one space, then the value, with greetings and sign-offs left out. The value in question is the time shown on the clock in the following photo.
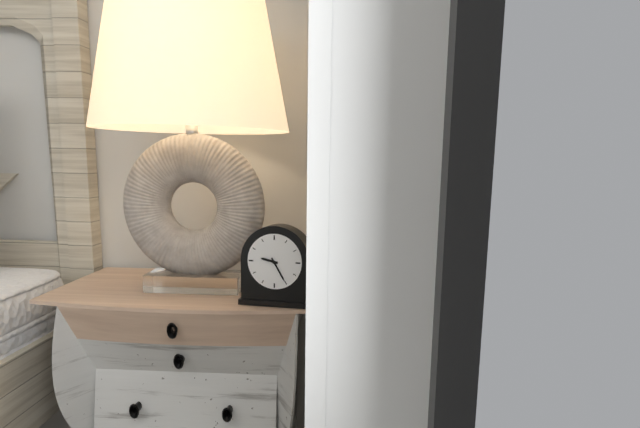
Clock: 9:25
